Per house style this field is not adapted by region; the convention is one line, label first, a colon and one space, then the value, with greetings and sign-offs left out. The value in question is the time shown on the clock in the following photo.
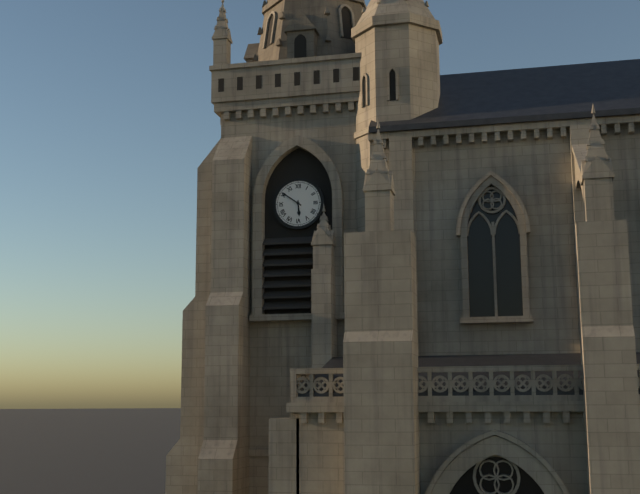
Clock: 5:51
